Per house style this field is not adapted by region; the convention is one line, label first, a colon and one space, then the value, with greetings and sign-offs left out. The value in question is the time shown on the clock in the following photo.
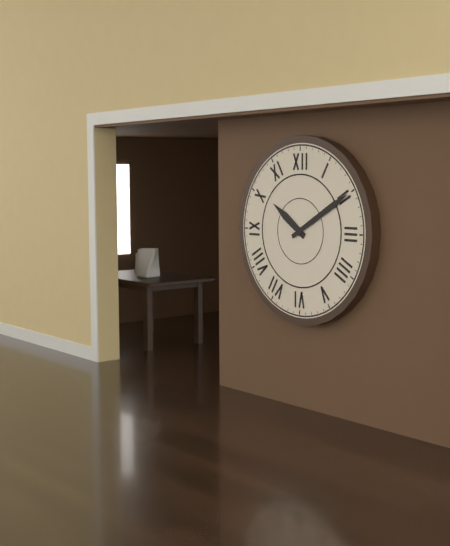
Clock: 10:10
